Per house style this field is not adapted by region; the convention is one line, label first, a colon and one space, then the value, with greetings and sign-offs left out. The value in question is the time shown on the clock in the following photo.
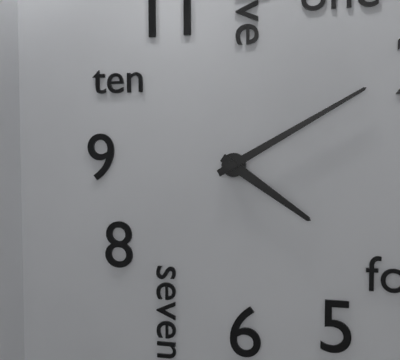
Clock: 4:10
